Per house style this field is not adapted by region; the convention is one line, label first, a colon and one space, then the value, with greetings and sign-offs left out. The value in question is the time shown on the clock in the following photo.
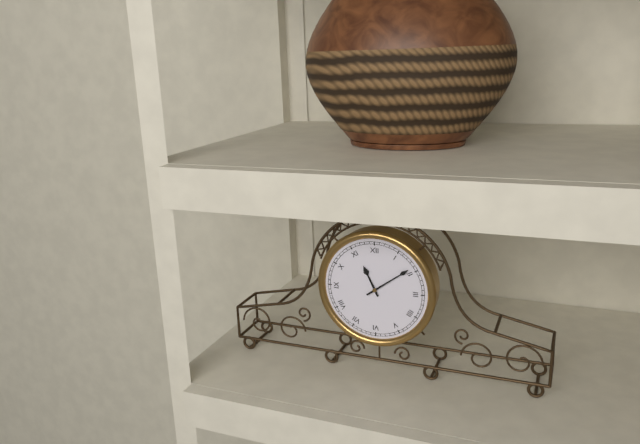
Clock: 11:09
